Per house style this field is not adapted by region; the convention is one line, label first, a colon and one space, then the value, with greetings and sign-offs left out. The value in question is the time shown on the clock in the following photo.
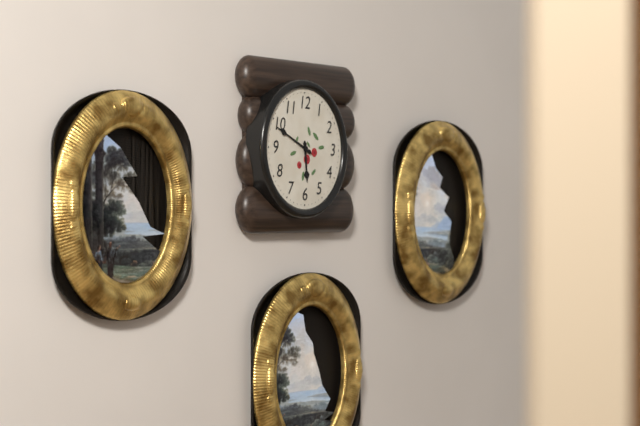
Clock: 5:49
